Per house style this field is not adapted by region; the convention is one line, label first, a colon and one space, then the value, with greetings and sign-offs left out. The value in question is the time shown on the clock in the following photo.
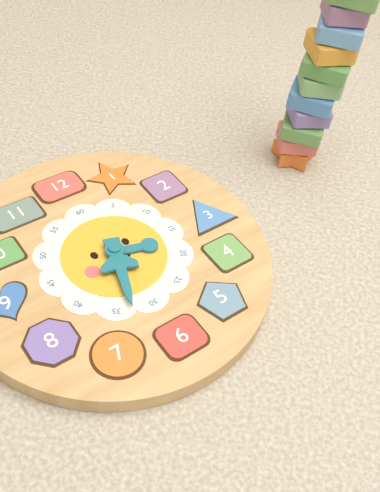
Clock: 3:33
